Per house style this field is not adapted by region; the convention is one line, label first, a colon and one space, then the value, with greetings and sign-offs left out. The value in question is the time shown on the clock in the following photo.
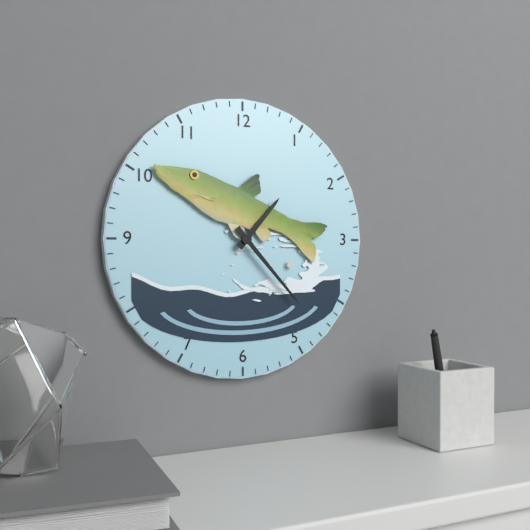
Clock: 1:23
